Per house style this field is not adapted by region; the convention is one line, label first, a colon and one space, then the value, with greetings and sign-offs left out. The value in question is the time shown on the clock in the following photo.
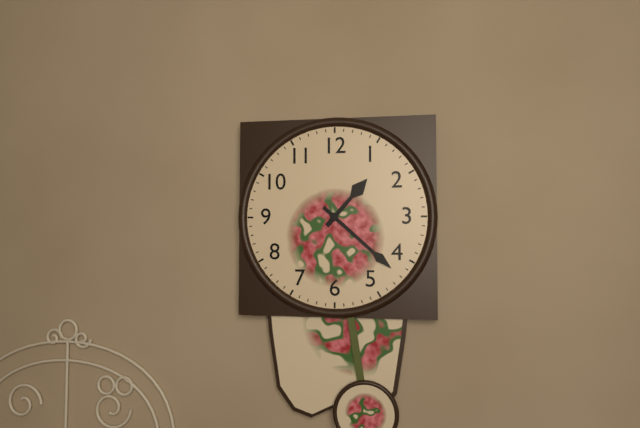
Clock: 1:22
